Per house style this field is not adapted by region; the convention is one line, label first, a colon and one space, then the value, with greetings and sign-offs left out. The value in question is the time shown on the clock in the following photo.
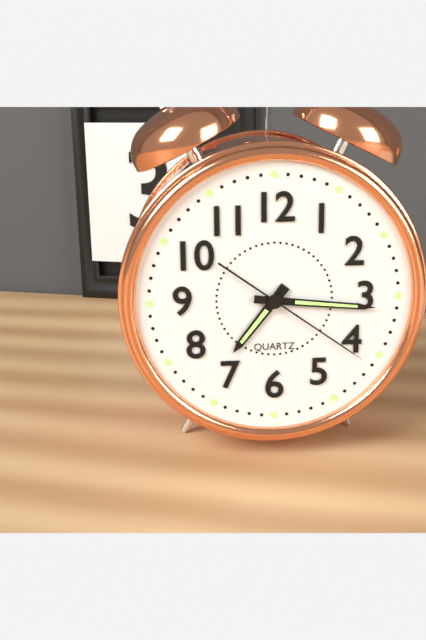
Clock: 7:16:21
